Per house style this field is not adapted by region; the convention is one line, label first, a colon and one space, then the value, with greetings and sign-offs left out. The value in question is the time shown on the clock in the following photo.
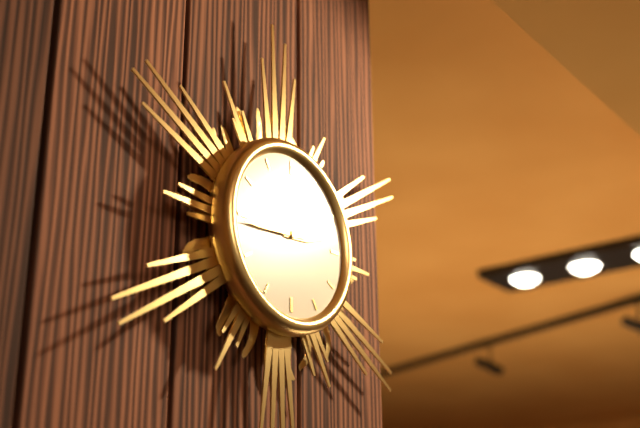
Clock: 2:44
